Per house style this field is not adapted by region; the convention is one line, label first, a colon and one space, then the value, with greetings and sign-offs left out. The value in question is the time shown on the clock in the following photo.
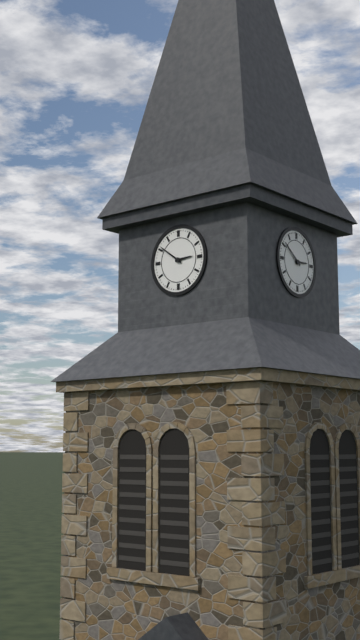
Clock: 2:51
